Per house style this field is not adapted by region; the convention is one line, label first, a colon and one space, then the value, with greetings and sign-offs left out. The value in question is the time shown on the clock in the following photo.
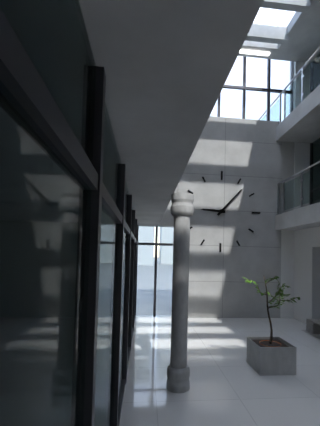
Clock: 9:07
